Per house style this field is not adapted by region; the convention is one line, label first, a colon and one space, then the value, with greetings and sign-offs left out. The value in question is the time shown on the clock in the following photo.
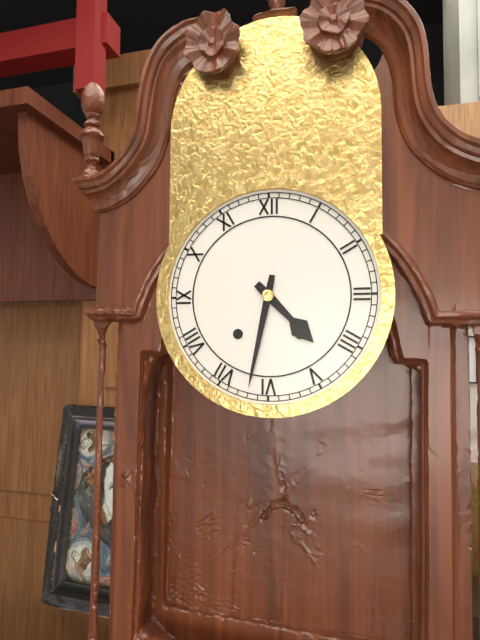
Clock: 4:32
